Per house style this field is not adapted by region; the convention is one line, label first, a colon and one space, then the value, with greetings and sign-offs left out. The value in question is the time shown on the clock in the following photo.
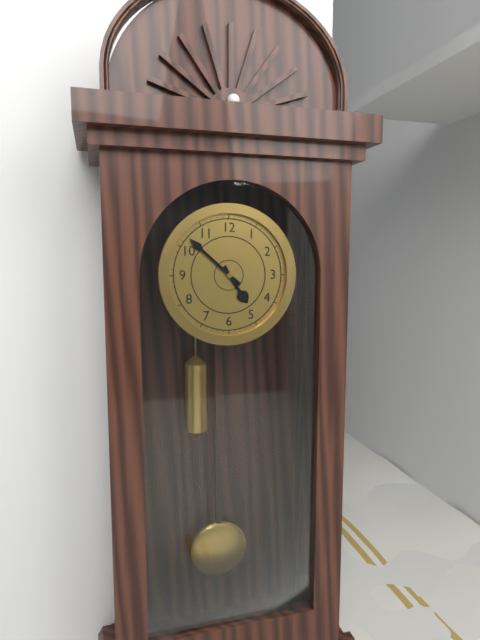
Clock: 4:52
